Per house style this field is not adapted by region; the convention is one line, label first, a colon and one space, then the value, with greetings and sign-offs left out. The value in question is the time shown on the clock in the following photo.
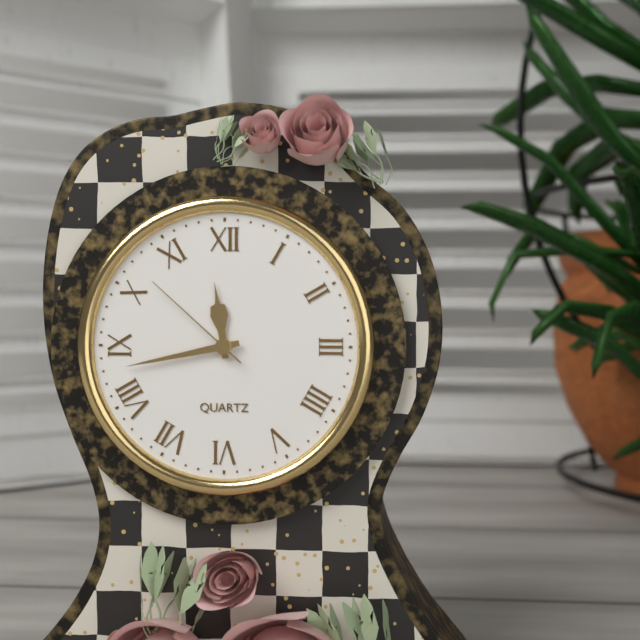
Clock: 11:43:52
